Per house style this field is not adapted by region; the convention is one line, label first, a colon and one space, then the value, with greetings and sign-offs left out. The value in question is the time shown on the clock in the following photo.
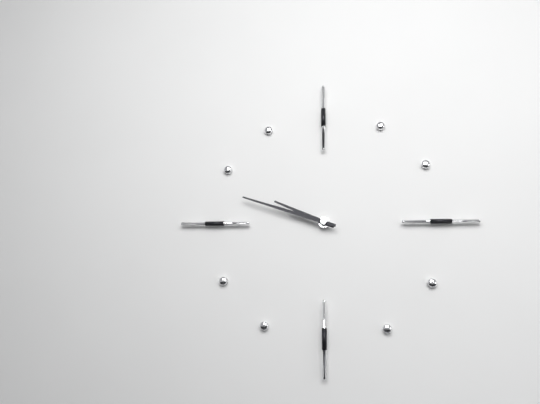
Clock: 9:48
